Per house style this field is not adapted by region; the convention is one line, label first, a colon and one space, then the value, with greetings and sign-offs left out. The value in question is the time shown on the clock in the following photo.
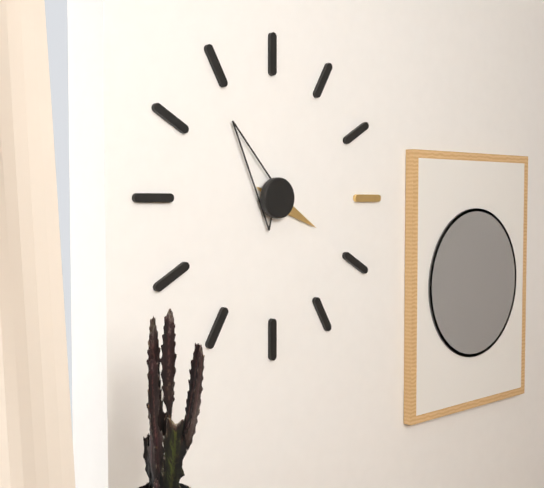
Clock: 3:54
